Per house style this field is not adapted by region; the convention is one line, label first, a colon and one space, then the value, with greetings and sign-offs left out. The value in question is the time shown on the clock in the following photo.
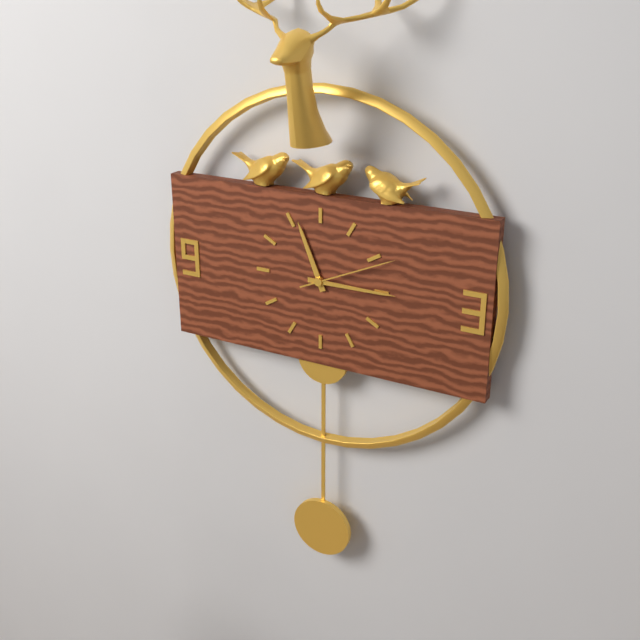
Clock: 11:15:11
